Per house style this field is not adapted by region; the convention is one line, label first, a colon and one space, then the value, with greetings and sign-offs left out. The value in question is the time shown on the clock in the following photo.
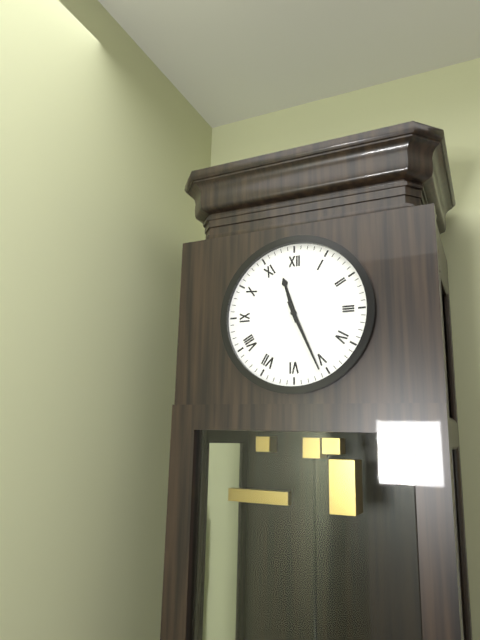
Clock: 11:26
